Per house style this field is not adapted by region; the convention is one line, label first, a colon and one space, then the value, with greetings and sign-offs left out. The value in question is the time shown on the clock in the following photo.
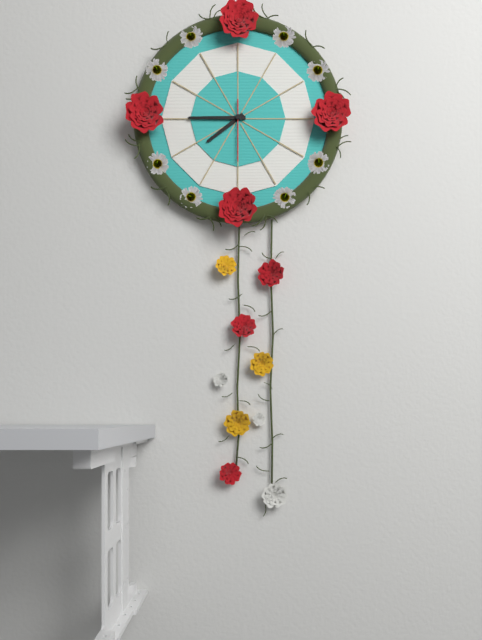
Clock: 7:45
